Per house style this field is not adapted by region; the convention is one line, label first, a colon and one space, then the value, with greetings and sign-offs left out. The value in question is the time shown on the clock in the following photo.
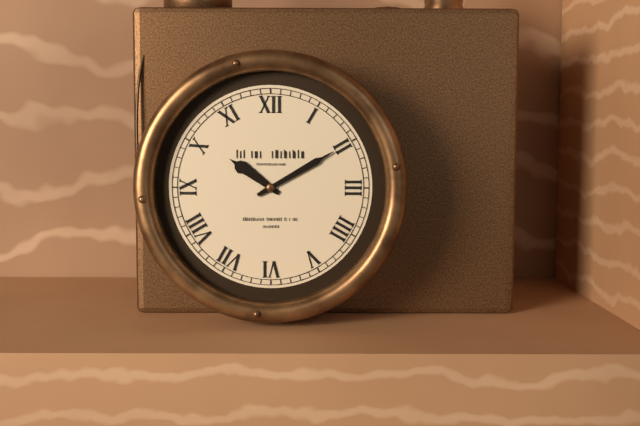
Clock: 10:10
